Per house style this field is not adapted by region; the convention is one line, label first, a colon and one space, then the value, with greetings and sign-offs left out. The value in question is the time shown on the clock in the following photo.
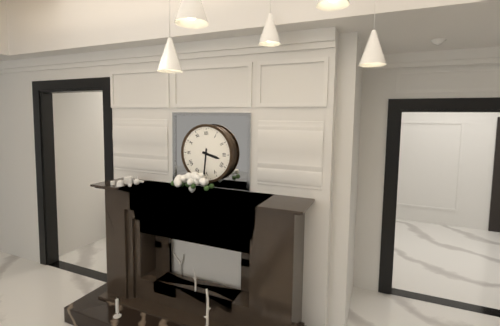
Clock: 3:31
